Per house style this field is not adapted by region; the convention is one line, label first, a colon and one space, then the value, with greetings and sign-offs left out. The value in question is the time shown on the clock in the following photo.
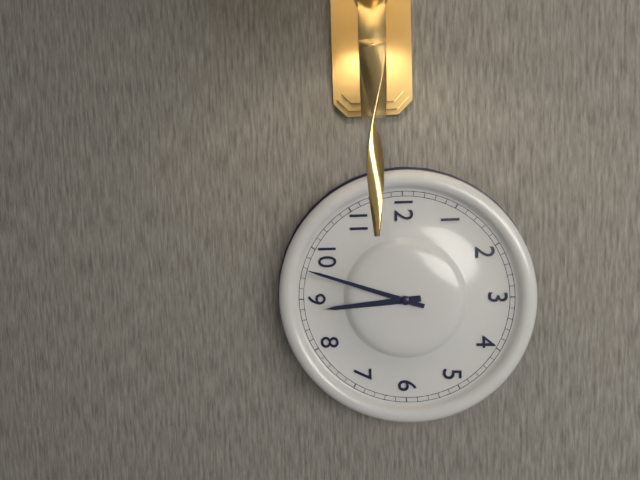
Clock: 8:48
